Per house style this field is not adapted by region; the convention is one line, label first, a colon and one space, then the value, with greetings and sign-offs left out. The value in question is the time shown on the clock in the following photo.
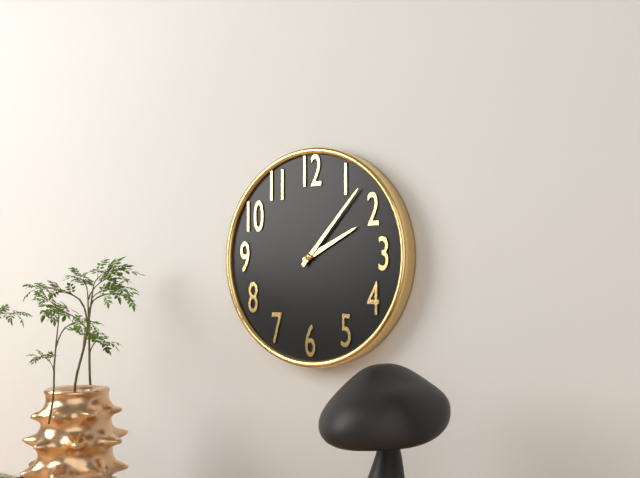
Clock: 2:07
